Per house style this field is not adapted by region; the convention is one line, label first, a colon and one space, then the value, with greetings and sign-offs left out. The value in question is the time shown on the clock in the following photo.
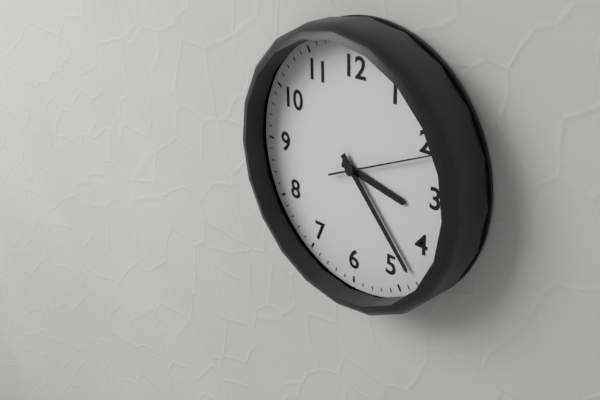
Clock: 3:23:11
